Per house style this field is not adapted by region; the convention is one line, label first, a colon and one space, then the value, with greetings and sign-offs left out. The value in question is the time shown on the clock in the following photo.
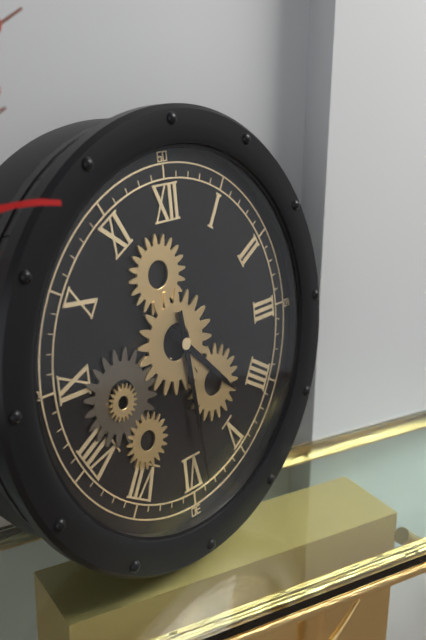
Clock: 4:29
